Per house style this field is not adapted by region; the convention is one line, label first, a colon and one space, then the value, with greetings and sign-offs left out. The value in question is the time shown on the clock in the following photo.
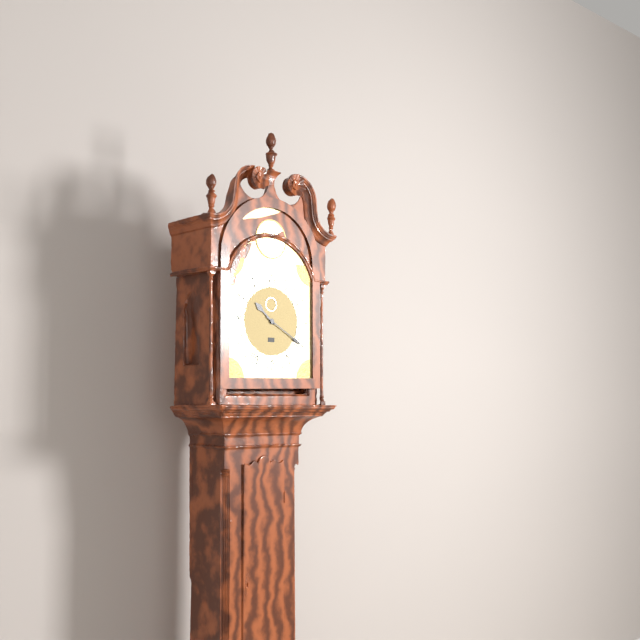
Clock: 10:20
